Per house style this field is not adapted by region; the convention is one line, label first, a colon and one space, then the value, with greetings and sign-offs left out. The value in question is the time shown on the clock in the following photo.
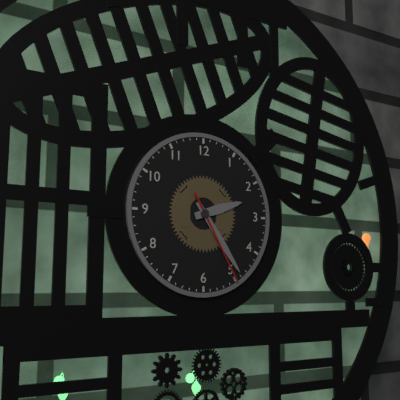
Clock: 2:24:25
